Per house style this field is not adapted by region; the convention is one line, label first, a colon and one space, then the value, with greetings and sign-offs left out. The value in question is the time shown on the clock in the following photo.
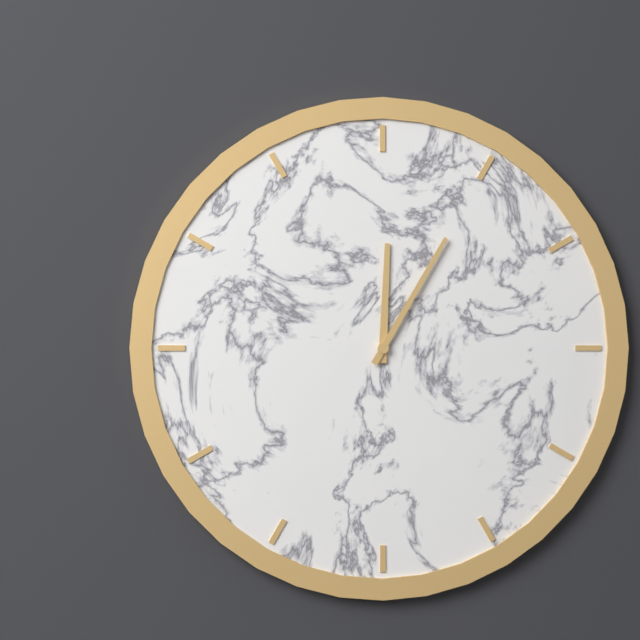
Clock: 12:05
